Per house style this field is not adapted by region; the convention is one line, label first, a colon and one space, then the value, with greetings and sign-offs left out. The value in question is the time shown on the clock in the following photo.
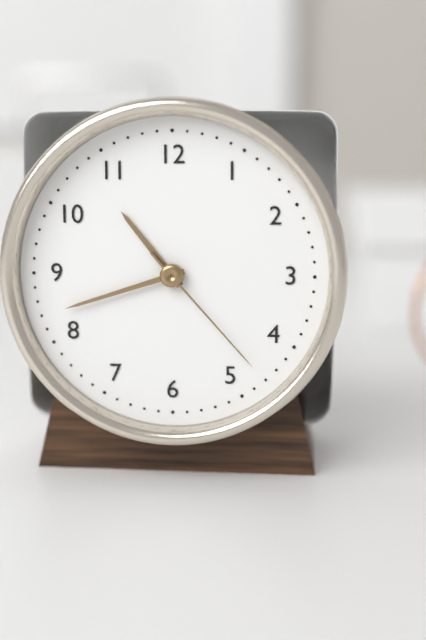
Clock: 10:42:23
